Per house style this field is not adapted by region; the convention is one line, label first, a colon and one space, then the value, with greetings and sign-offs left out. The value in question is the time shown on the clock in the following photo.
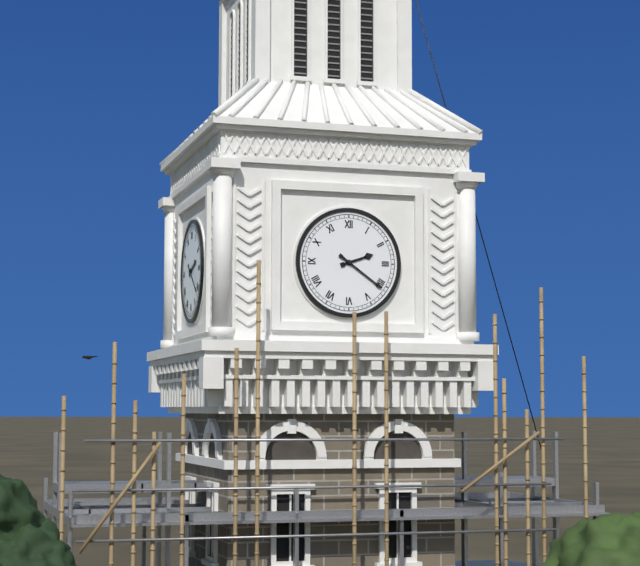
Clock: 2:21
